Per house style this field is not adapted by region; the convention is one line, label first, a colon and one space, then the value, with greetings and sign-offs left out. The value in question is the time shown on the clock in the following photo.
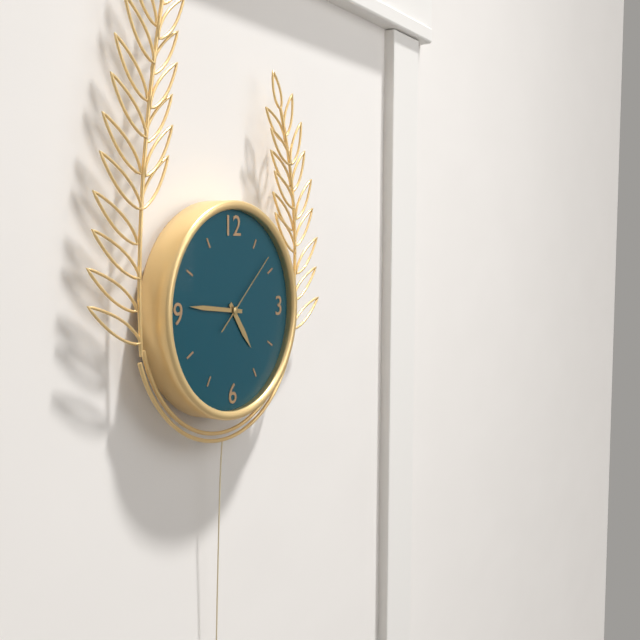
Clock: 4:46:08
